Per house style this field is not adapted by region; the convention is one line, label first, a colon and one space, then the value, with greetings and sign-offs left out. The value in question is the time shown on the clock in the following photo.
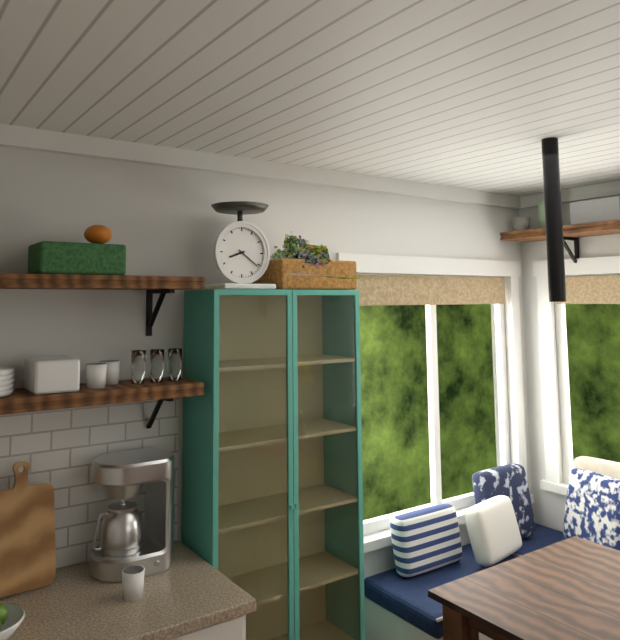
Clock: 8:21
